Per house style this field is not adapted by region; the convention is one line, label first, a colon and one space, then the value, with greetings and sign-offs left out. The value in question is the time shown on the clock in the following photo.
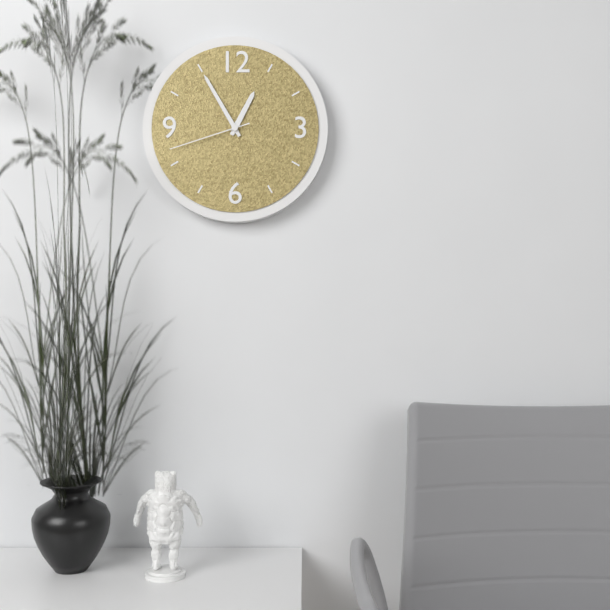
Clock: 12:55:42
